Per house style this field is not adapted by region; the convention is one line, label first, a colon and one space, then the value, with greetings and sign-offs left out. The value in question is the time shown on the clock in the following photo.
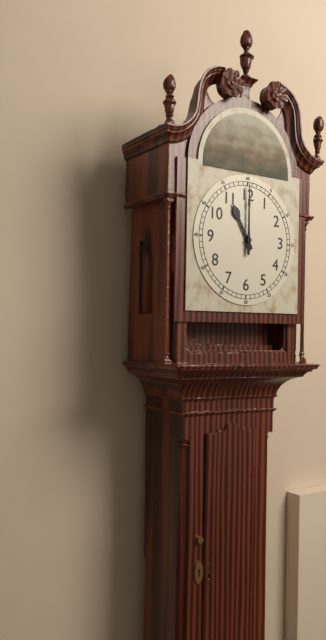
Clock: 11:00
